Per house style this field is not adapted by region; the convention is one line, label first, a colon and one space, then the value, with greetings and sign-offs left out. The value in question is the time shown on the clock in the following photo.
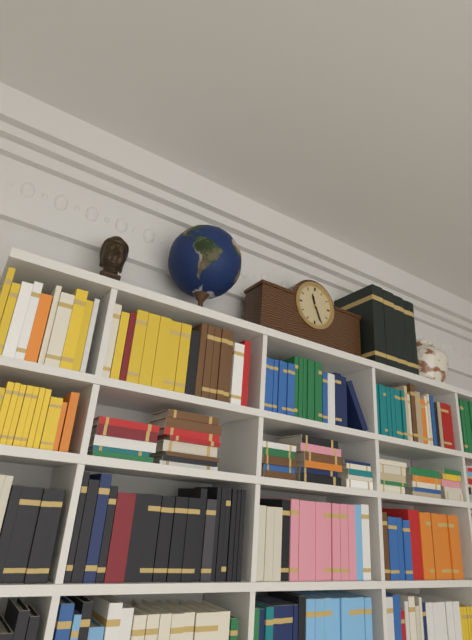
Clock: 11:26
